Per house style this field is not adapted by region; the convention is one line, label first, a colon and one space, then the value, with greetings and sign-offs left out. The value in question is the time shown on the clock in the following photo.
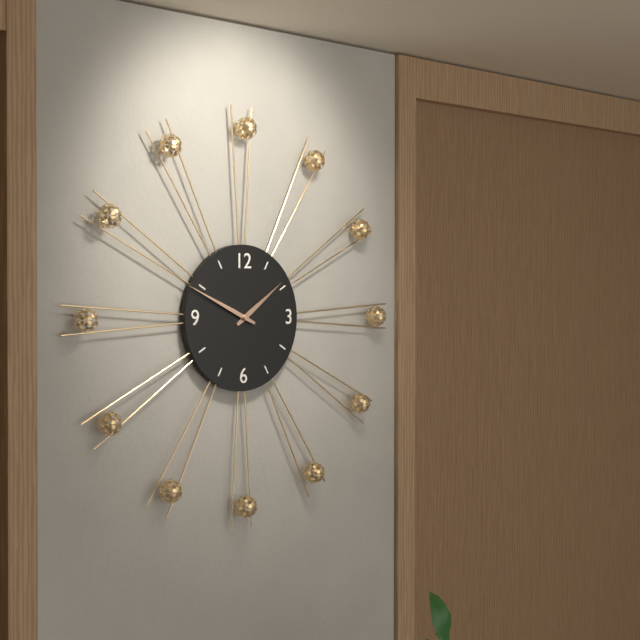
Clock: 1:49
